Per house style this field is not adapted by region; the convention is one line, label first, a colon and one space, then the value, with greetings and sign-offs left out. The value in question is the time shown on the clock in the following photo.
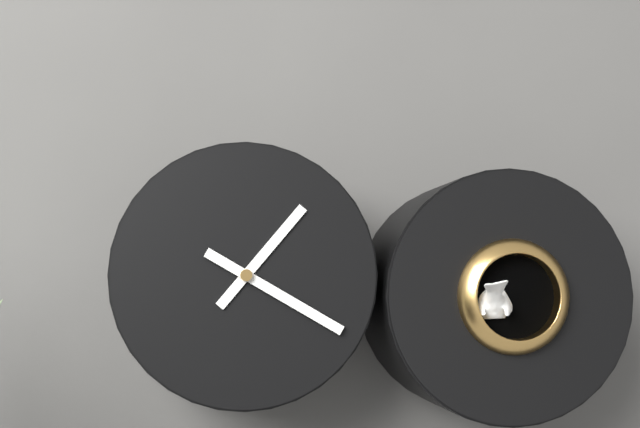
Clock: 1:20
